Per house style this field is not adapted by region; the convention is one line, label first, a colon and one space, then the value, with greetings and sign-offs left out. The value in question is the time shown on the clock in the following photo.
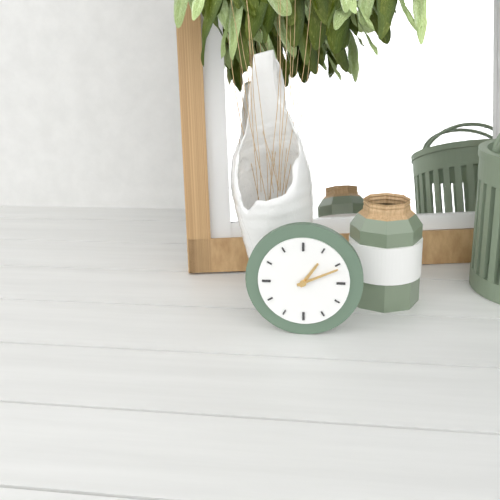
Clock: 1:11
